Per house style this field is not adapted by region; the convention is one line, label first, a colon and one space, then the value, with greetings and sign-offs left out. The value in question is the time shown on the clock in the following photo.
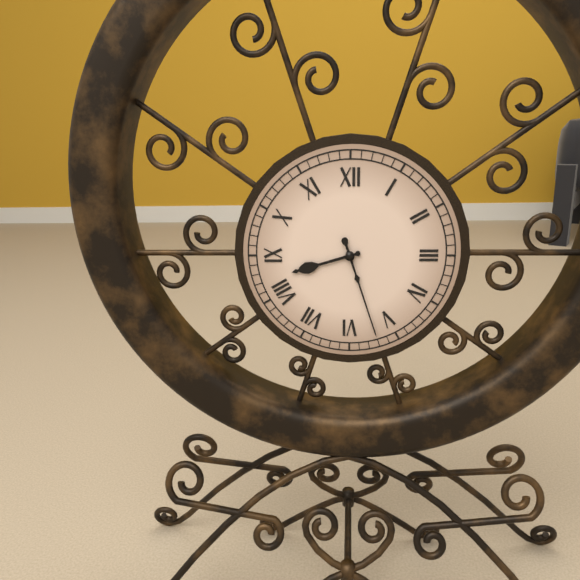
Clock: 8:27
